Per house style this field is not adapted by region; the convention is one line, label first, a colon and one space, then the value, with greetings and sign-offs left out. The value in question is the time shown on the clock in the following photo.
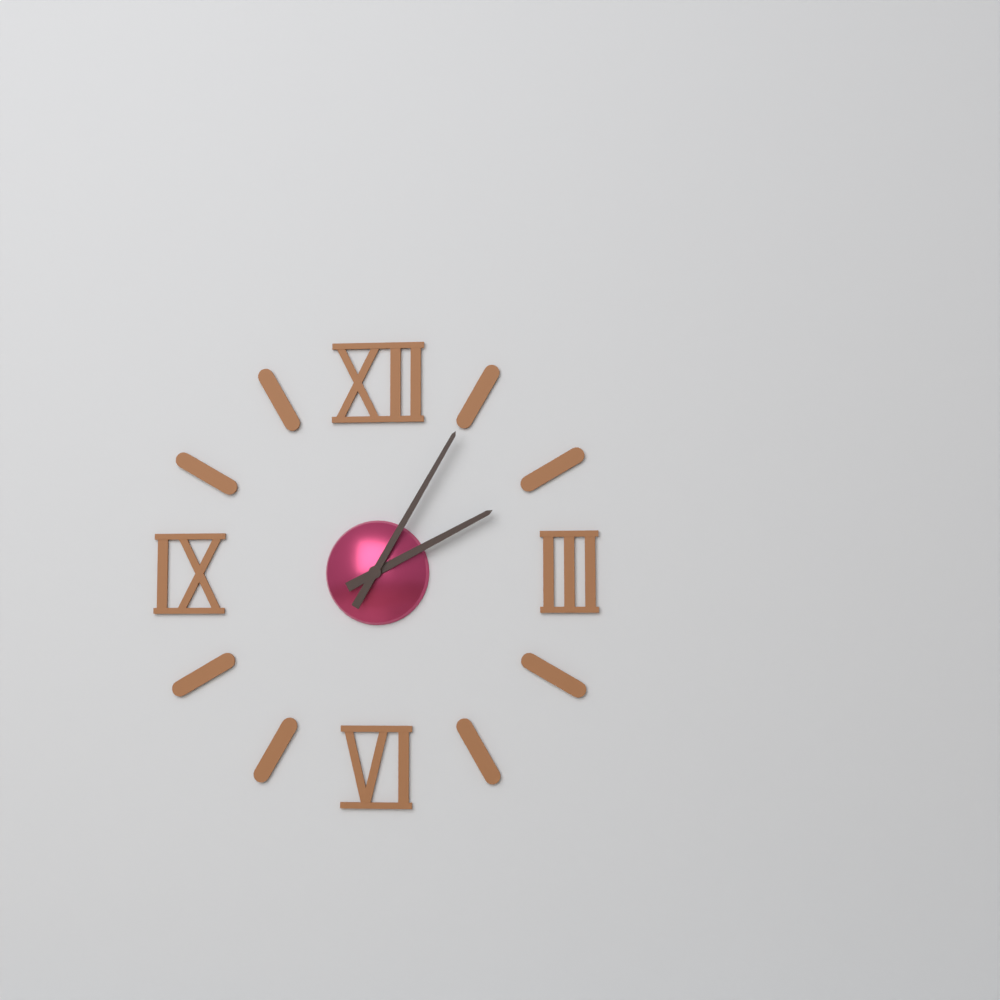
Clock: 2:05
